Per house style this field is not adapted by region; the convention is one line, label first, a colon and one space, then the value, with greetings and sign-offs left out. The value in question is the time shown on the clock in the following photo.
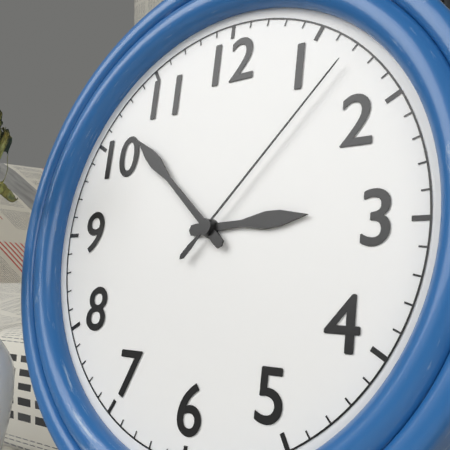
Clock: 2:52:07
